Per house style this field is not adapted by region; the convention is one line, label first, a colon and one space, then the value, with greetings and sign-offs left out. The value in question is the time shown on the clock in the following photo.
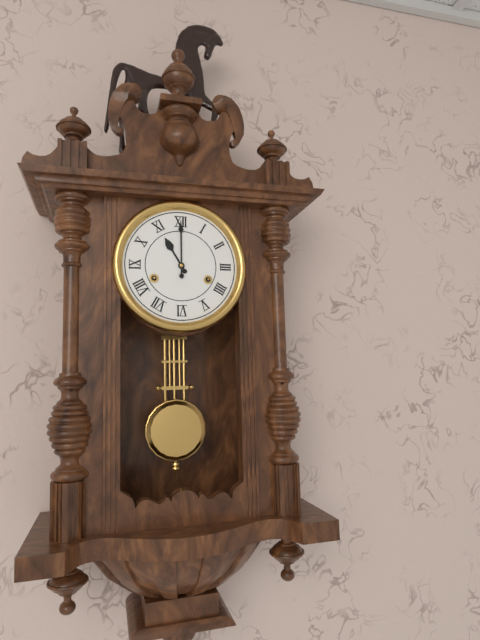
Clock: 11:00
